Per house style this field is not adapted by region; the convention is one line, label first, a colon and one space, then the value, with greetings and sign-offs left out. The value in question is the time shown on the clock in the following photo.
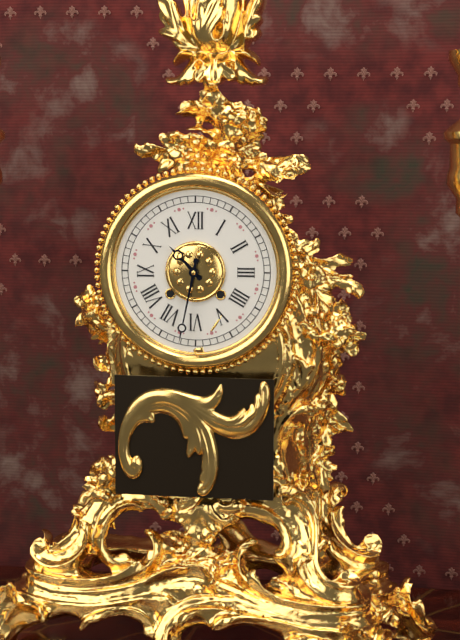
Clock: 10:32
